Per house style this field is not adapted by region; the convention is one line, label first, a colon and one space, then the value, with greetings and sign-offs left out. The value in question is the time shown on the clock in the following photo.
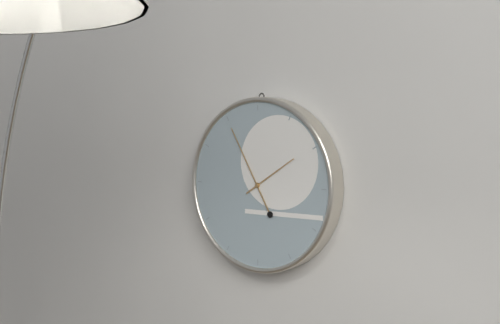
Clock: 1:55
